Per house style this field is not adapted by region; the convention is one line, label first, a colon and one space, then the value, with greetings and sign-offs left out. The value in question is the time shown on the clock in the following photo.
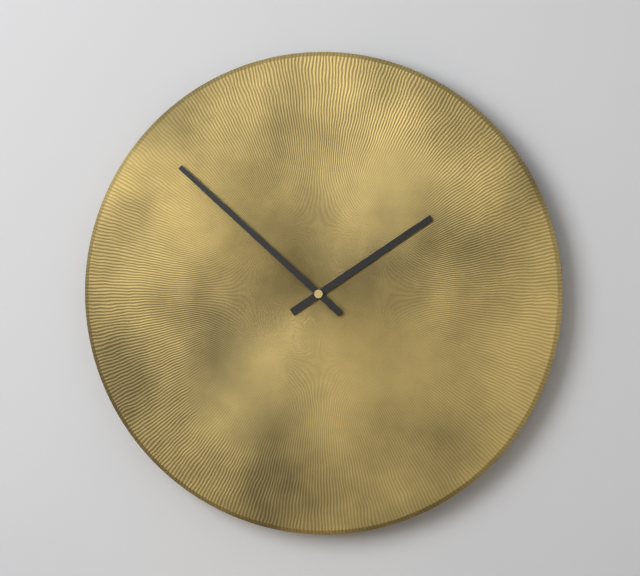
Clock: 1:52
